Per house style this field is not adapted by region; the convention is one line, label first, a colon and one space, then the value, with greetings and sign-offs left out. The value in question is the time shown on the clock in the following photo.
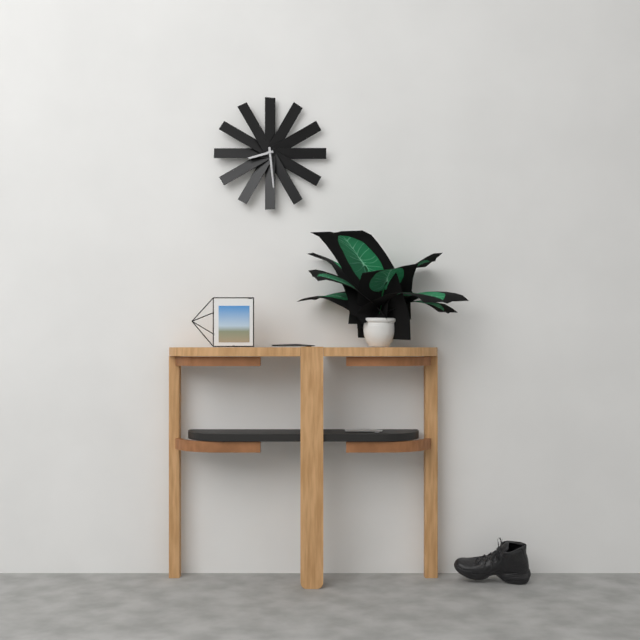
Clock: 8:29
